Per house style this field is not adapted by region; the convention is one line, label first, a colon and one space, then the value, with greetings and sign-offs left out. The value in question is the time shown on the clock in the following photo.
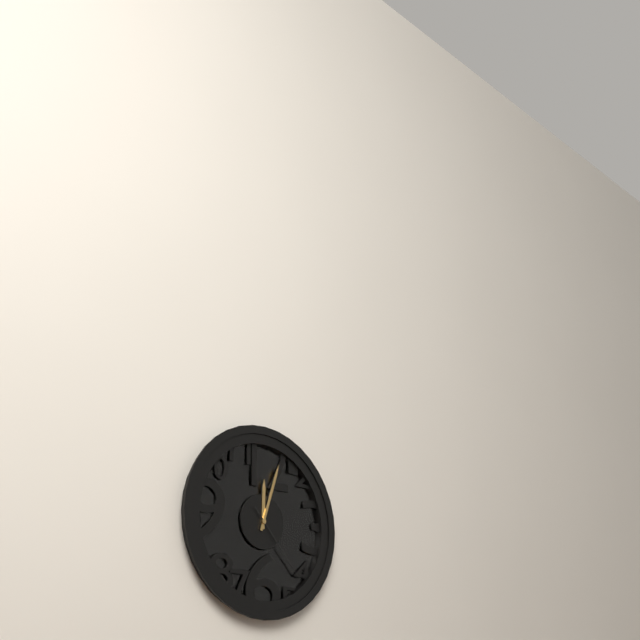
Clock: 12:03:23
